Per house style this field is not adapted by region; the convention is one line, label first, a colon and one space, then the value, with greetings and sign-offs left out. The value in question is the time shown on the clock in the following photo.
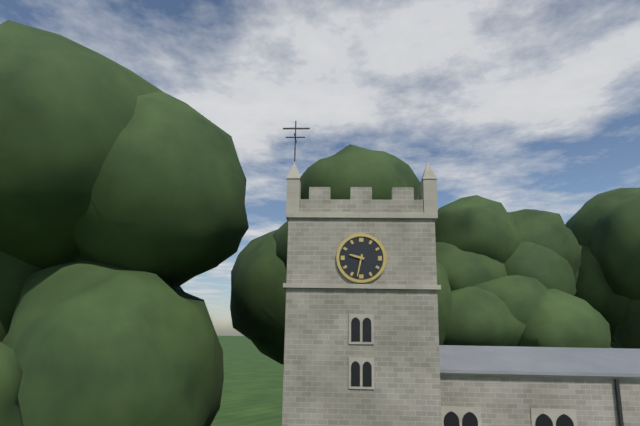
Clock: 9:32
